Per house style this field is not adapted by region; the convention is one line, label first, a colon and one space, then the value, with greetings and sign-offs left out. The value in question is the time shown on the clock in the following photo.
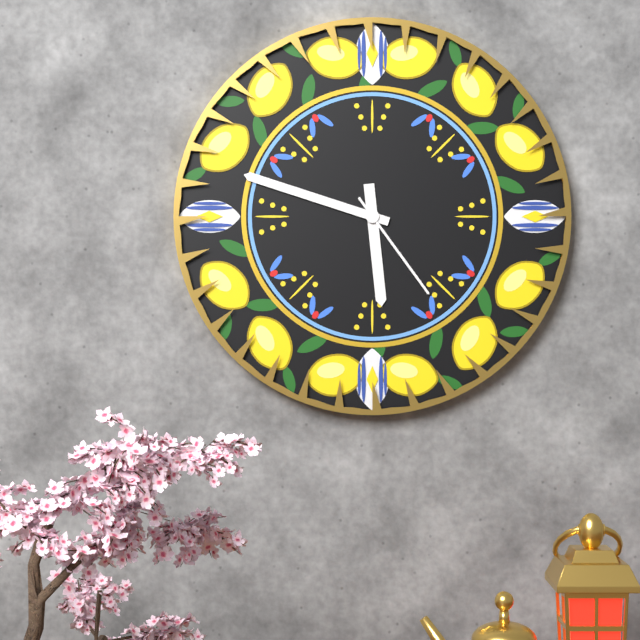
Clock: 5:48:24
